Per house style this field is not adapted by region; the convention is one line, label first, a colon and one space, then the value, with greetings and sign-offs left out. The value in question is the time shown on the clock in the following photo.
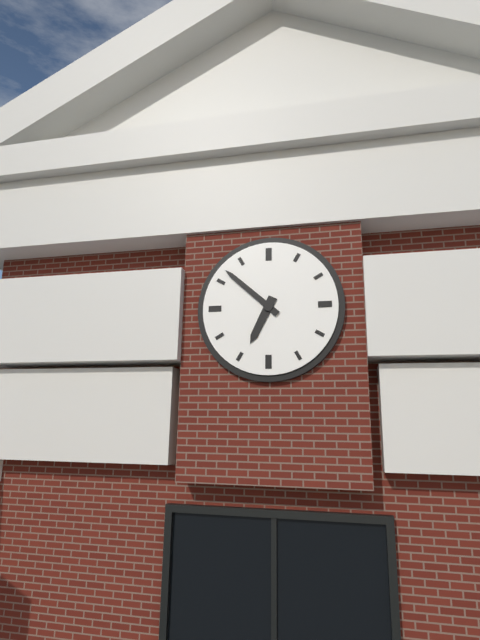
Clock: 6:52
